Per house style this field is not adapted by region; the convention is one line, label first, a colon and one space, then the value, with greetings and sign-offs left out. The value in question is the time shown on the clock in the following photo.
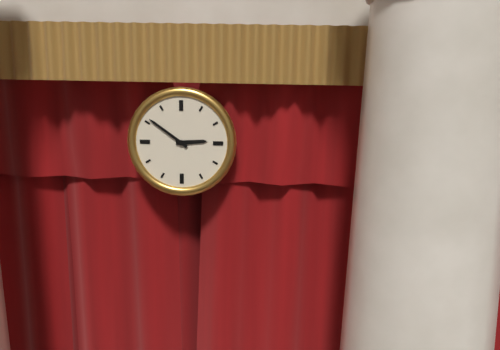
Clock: 2:51
